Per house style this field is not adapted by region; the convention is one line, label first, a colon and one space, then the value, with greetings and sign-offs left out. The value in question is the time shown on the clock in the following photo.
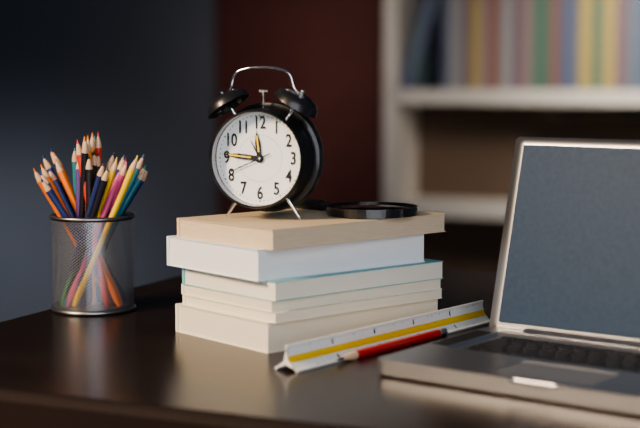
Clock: 11:46
